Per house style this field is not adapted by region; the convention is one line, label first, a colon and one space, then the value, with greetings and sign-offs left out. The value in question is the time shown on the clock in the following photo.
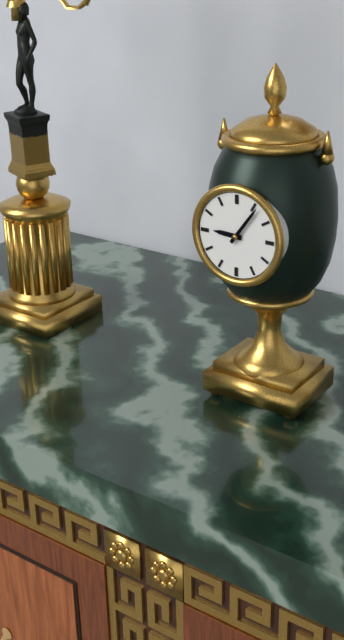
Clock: 9:06
